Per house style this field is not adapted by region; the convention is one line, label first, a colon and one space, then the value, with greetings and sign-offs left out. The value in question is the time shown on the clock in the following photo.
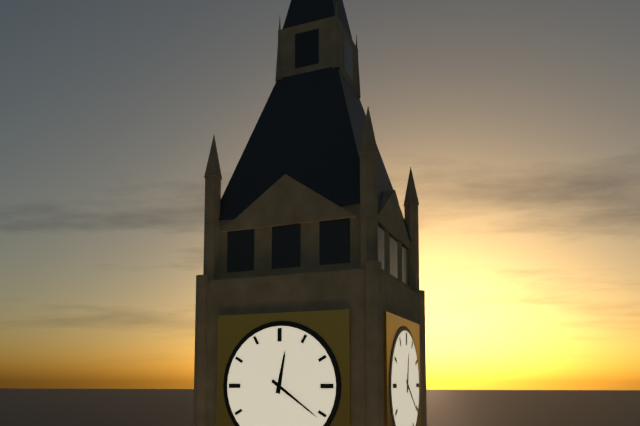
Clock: 12:21
